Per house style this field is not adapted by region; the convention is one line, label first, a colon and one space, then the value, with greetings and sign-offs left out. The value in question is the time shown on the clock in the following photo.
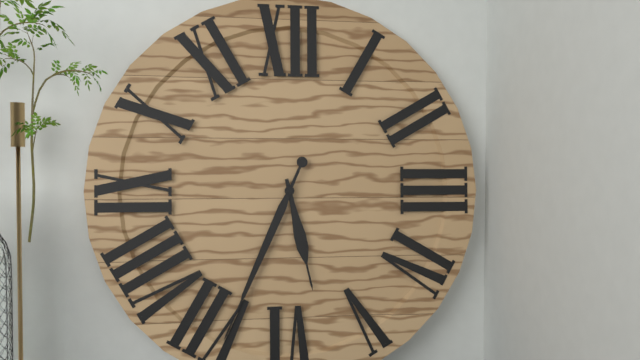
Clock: 5:34
